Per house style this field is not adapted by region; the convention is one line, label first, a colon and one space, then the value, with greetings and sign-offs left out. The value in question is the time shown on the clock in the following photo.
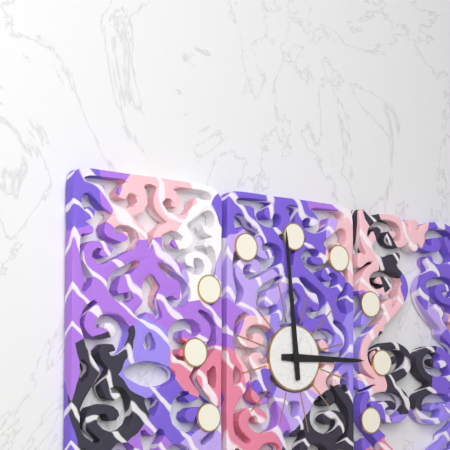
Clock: 2:59
